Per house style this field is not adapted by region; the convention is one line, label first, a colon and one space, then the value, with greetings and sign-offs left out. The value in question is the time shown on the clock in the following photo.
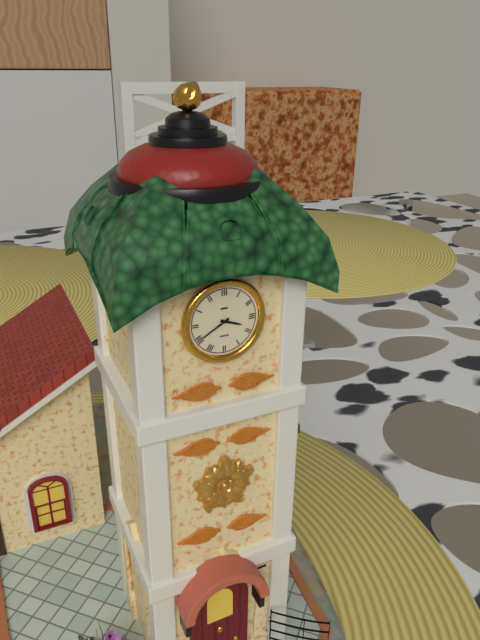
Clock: 3:40
